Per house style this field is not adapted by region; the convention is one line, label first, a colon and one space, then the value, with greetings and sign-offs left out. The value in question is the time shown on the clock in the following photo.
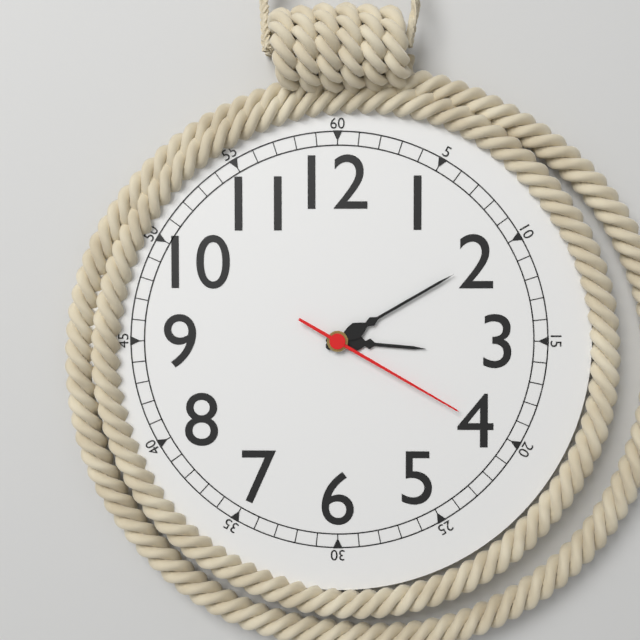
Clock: 3:10:20
